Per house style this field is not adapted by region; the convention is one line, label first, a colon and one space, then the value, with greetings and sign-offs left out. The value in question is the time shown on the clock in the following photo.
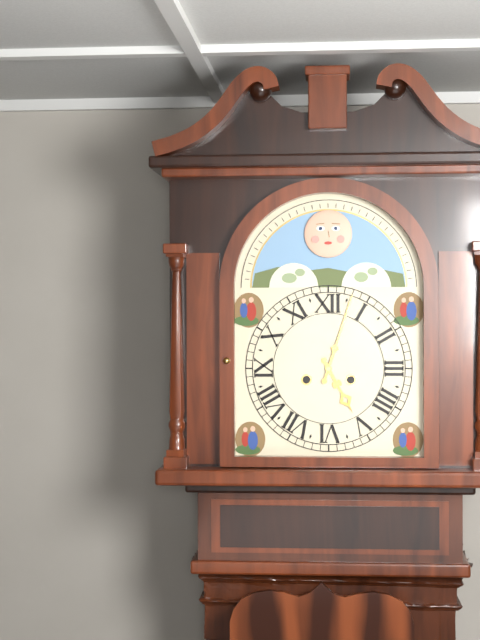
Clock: 5:03
